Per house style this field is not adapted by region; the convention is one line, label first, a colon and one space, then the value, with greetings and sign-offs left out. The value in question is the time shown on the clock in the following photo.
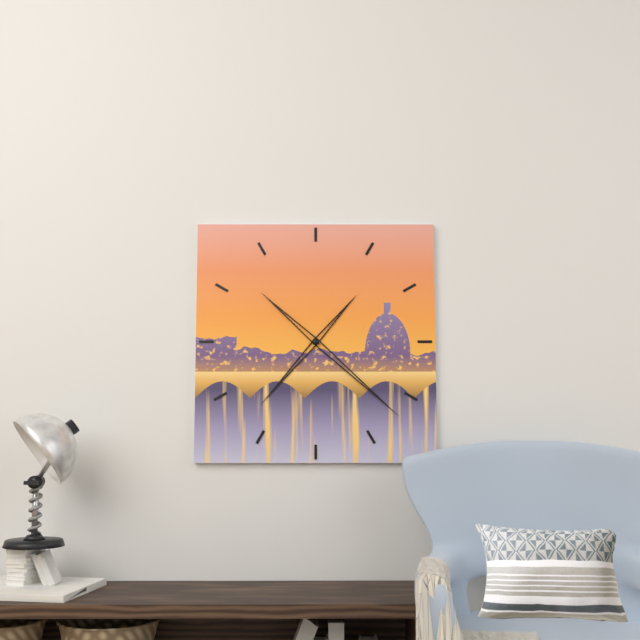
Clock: 7:22
